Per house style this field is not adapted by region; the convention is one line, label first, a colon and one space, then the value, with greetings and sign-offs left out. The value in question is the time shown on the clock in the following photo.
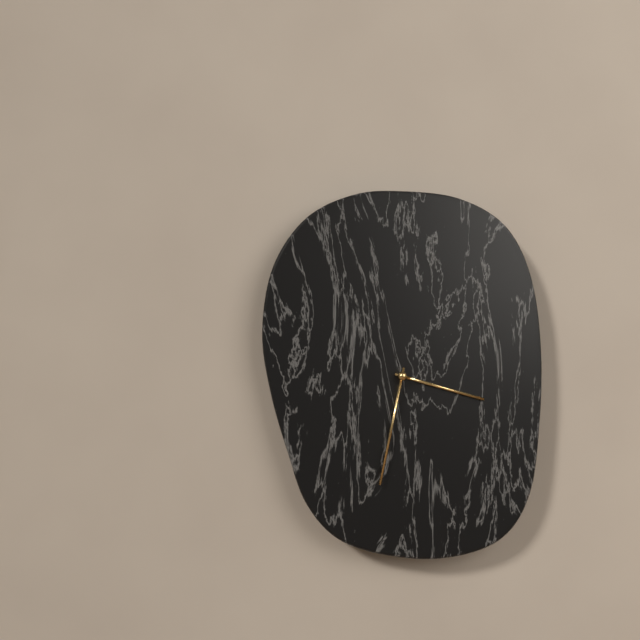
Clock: 3:32
